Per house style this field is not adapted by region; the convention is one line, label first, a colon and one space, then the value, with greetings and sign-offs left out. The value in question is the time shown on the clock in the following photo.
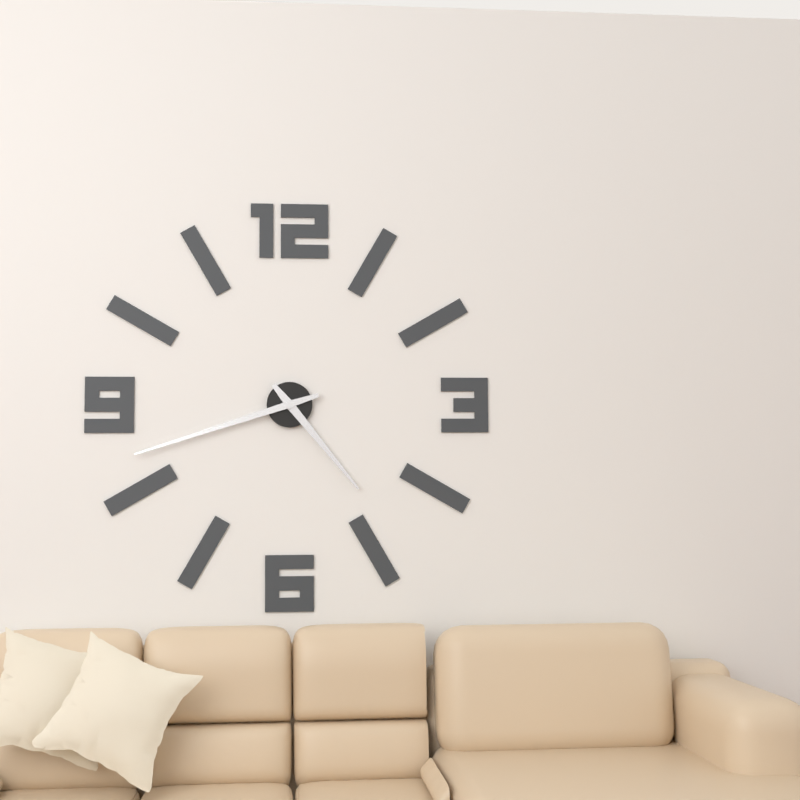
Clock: 4:42
